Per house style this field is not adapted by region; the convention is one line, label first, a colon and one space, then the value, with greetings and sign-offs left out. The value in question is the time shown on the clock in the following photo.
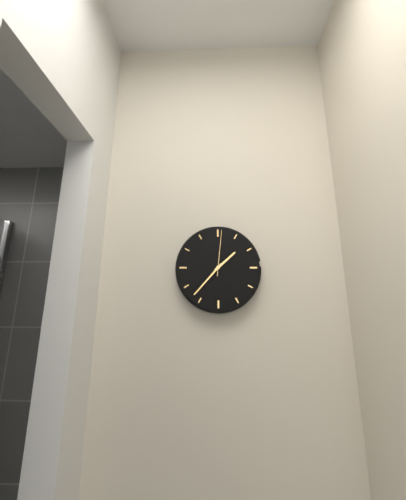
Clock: 1:37
